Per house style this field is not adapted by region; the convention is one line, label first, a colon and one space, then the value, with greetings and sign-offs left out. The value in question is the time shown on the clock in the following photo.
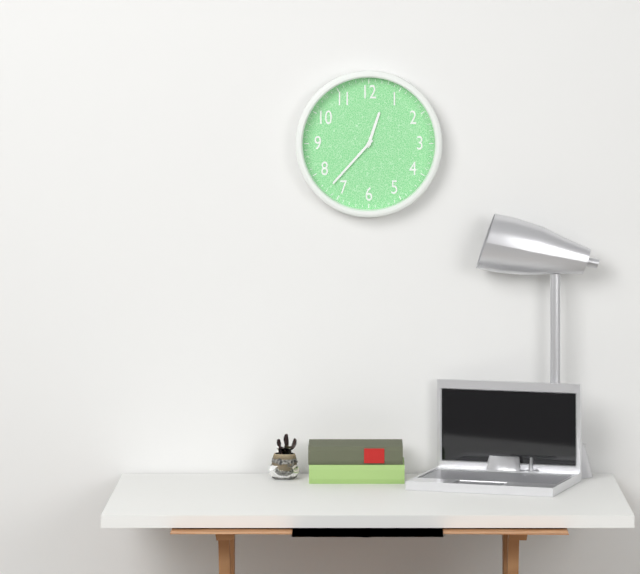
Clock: 12:37
